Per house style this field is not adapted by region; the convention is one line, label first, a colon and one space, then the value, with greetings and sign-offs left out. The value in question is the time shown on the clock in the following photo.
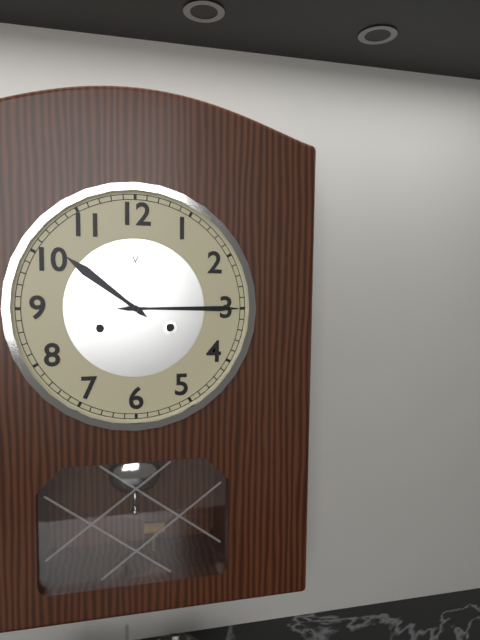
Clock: 10:15
